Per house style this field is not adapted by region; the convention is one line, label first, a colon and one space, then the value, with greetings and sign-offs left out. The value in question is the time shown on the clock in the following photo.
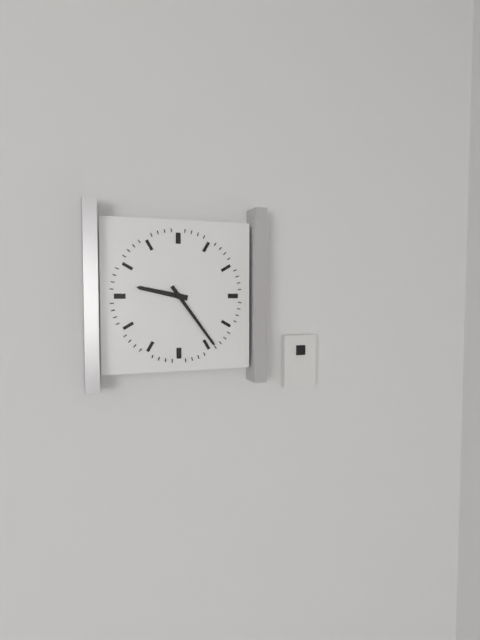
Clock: 9:24
